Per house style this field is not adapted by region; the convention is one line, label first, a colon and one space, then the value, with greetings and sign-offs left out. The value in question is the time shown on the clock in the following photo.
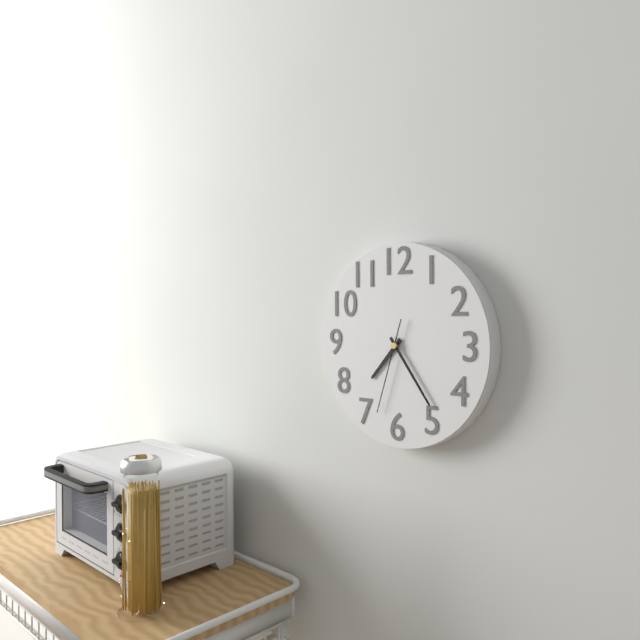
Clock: 7:24:33
